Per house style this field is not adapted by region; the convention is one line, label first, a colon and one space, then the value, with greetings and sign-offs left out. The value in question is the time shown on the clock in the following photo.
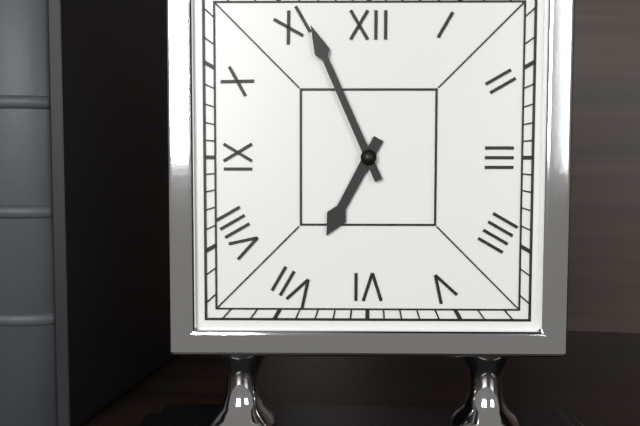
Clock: 6:56
